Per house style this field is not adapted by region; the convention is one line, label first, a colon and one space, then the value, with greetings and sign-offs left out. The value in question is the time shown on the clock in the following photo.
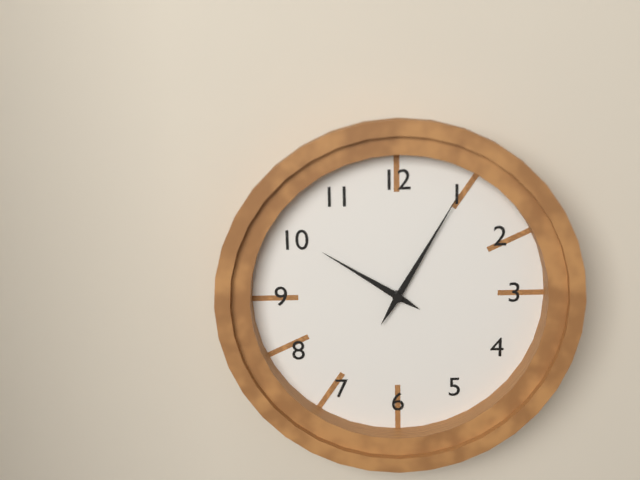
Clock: 10:05
